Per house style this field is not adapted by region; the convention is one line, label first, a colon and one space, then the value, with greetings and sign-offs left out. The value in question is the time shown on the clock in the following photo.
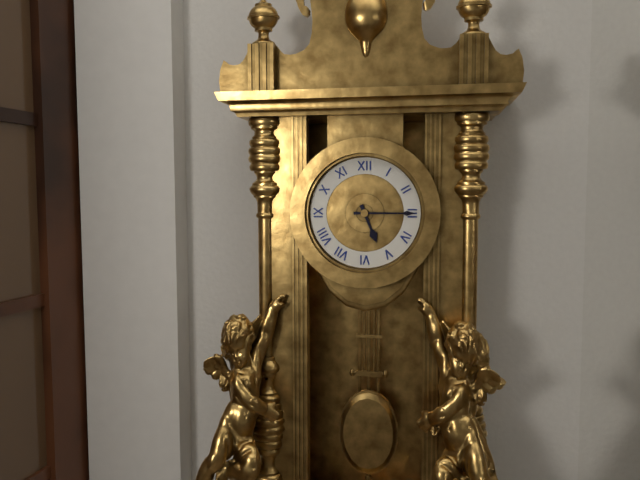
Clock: 5:15
